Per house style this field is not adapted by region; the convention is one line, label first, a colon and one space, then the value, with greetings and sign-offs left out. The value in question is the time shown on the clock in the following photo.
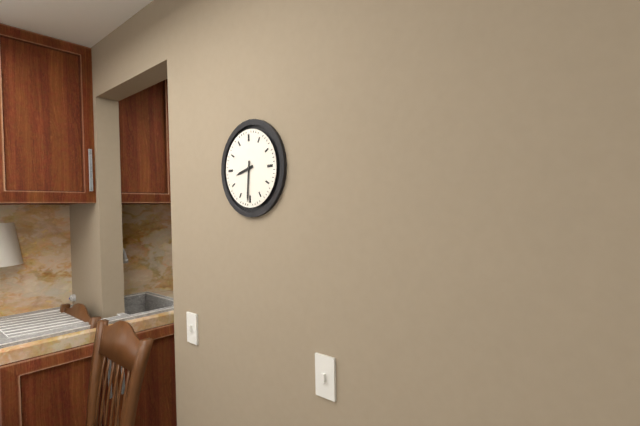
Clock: 8:31
